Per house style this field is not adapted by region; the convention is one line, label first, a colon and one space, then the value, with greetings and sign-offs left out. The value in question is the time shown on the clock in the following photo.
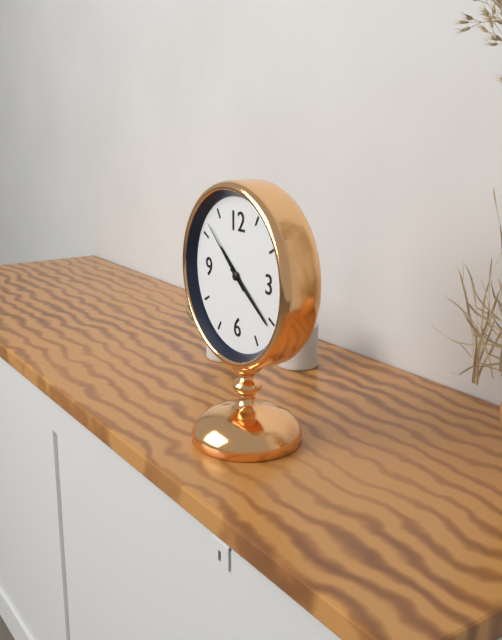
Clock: 10:21:52
